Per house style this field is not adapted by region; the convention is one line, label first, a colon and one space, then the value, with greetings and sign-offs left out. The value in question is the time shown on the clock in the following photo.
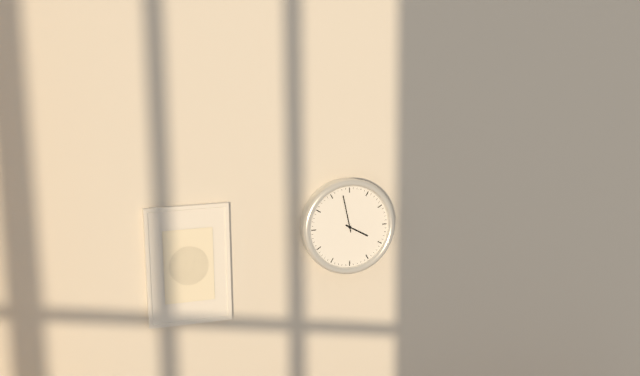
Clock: 3:58
